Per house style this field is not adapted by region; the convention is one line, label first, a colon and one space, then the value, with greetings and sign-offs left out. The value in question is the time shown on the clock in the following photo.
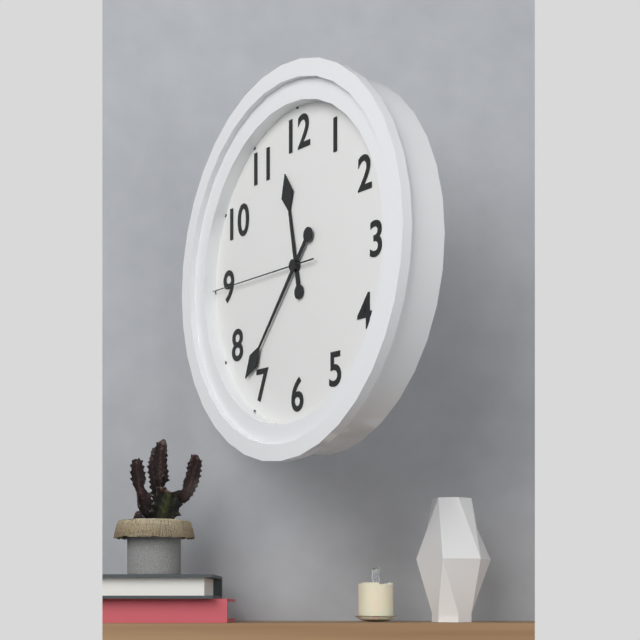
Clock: 11:37:45
